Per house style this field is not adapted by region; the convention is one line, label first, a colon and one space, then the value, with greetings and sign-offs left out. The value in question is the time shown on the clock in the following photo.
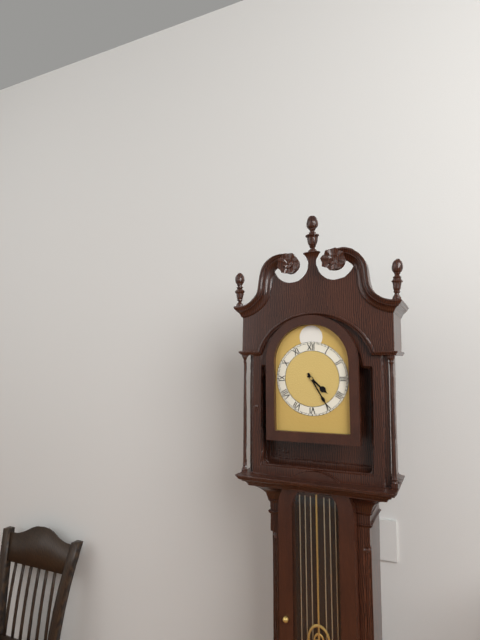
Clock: 4:25
